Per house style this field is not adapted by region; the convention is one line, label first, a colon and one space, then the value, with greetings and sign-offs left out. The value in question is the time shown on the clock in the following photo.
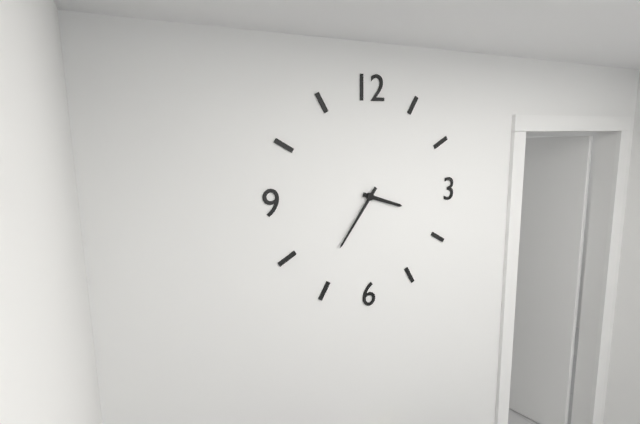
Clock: 3:36
